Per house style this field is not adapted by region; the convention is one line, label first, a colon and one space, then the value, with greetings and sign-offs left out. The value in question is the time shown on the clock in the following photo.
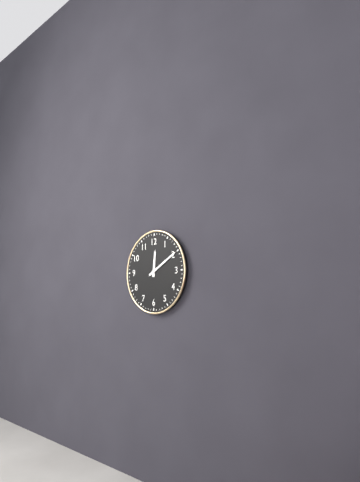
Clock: 12:10
